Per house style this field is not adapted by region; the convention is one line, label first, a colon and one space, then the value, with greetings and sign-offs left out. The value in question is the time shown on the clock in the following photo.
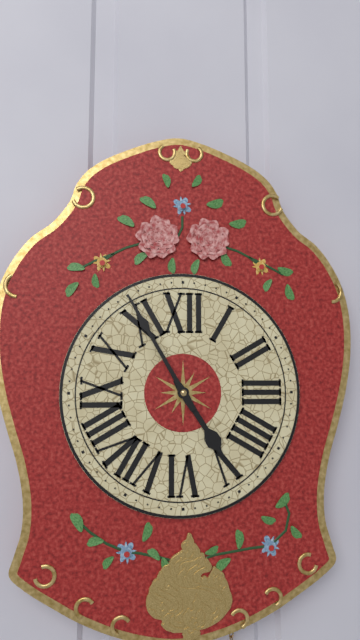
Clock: 4:55
